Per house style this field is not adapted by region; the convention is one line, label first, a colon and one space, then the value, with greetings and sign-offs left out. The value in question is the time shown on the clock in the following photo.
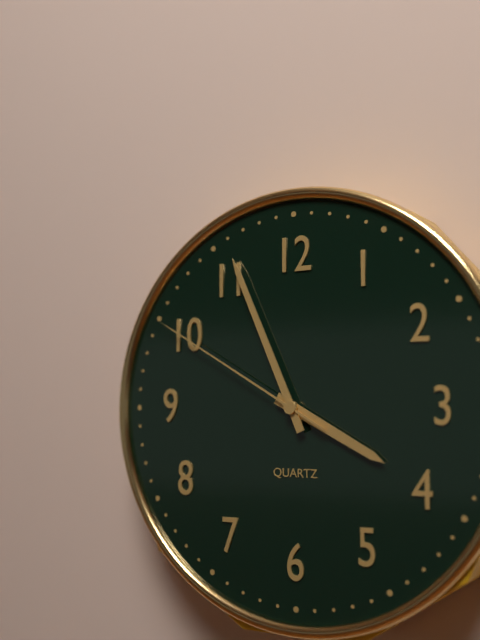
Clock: 3:56:50
